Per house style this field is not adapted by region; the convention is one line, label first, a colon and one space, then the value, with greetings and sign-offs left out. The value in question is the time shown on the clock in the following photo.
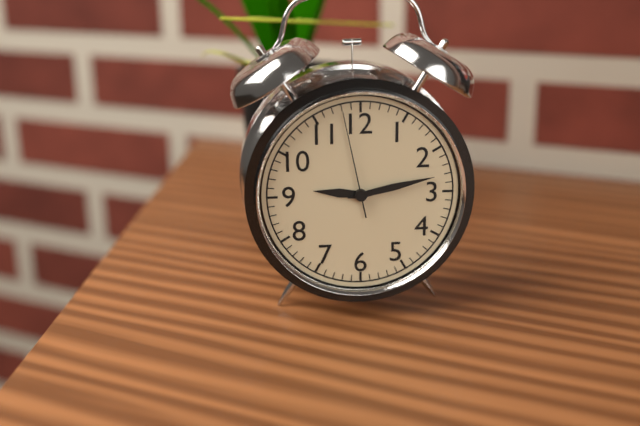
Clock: 9:13:58
